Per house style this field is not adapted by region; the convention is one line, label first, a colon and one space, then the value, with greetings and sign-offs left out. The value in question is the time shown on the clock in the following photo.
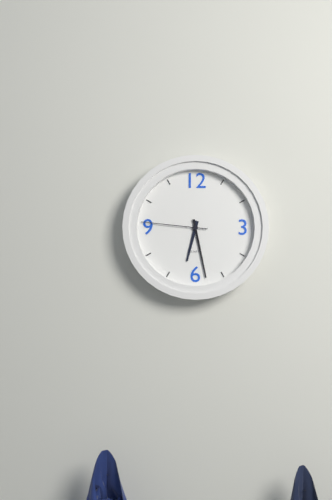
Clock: 6:28:46
